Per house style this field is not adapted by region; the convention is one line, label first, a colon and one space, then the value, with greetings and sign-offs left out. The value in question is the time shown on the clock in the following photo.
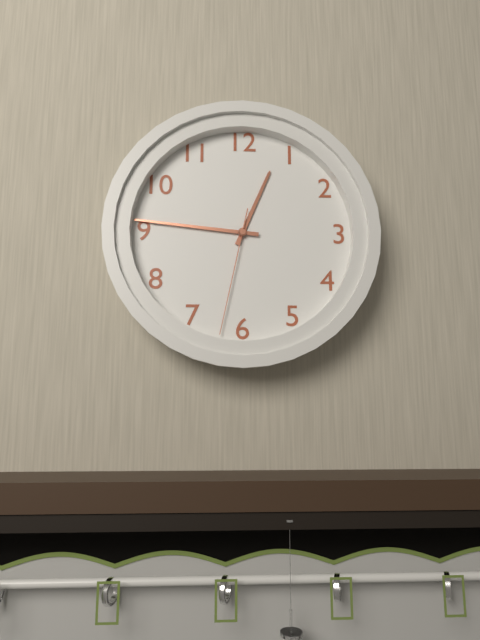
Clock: 12:46:32
